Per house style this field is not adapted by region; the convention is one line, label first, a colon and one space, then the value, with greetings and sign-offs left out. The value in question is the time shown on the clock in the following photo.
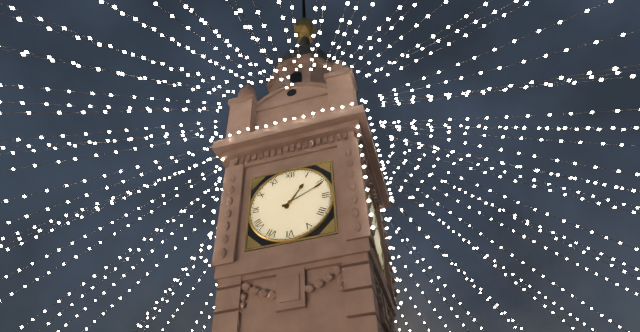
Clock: 1:11
